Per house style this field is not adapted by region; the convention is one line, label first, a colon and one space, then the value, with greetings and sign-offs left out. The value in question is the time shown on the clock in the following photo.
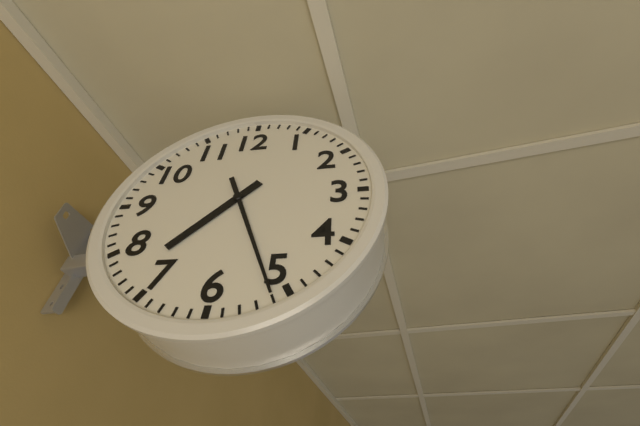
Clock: 7:26
